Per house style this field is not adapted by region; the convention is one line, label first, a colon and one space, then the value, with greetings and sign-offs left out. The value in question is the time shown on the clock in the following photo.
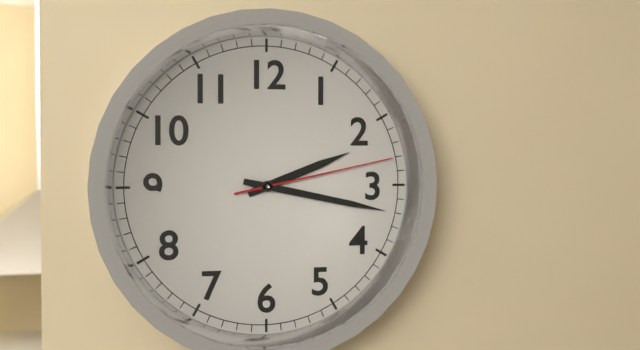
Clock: 2:17:13
